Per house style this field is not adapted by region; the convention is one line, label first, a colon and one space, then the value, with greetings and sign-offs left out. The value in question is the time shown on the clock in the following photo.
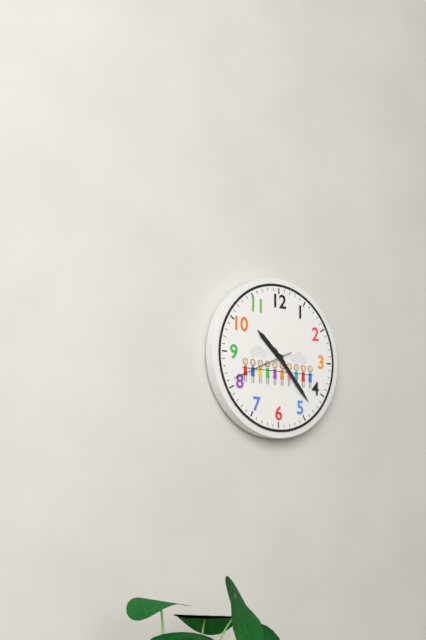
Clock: 10:23:41
